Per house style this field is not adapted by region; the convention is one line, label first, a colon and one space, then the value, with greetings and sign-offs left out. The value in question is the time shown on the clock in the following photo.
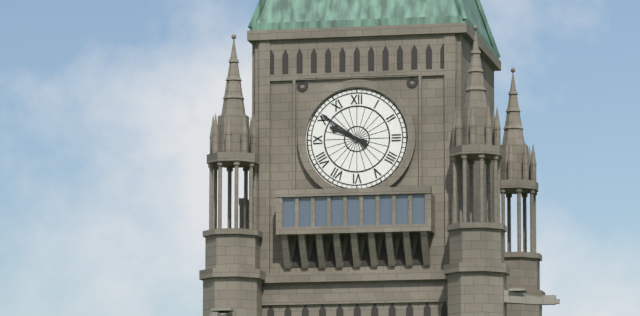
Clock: 9:51
